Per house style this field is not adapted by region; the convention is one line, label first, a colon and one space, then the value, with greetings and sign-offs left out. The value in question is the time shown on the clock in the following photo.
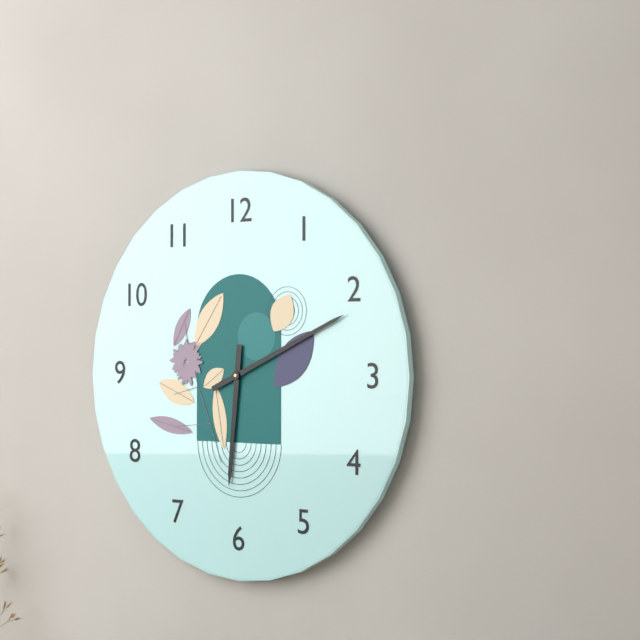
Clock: 6:11
